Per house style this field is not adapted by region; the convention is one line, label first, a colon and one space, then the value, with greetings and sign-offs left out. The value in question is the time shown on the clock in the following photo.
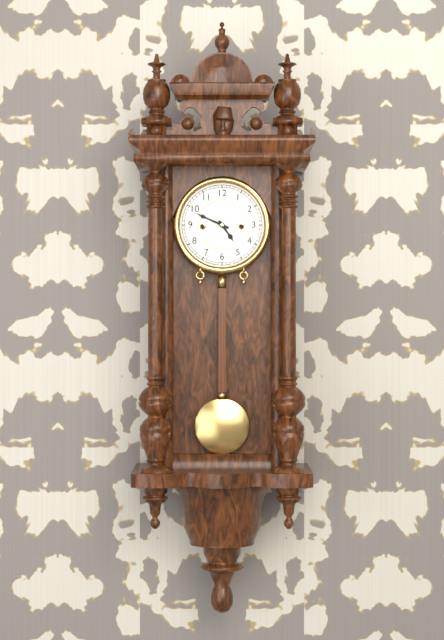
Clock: 4:49
